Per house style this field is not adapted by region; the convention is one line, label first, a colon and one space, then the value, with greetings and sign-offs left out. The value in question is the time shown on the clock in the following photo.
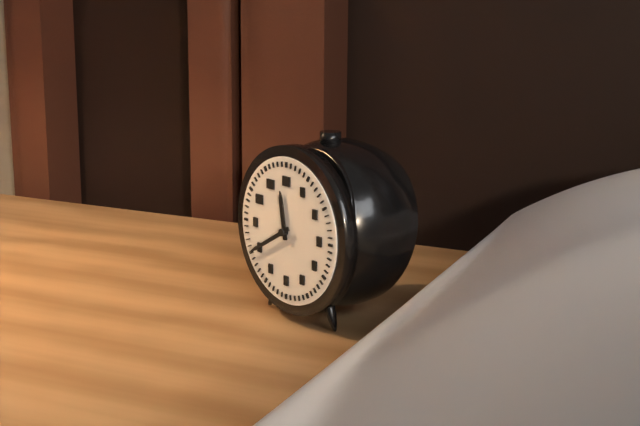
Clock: 11:40
